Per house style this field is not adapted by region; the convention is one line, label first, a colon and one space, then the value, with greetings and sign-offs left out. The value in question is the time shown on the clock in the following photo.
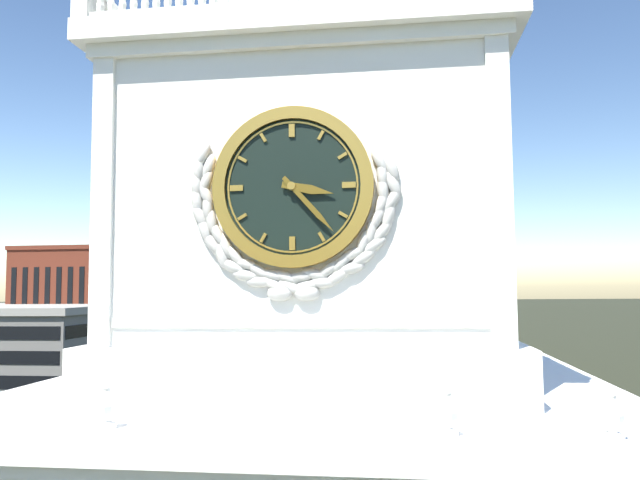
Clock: 3:23
